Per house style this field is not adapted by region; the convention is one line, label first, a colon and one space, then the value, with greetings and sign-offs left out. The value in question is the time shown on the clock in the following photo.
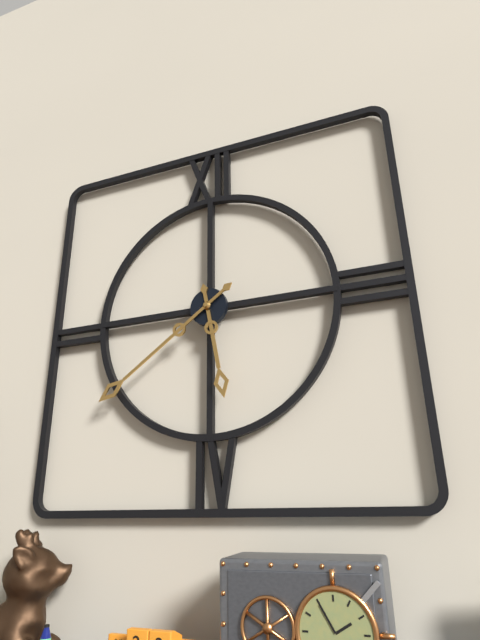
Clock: 5:39
